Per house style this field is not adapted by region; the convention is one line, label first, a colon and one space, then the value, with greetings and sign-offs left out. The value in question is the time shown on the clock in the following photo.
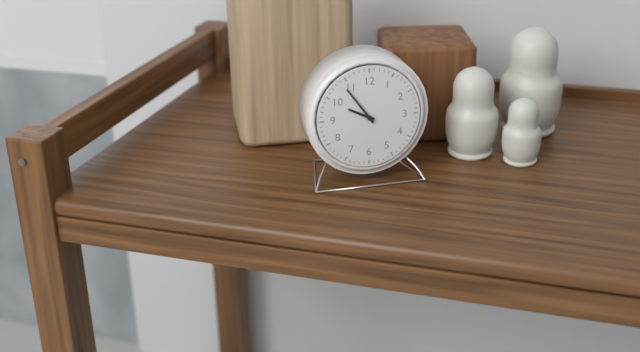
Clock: 9:54
